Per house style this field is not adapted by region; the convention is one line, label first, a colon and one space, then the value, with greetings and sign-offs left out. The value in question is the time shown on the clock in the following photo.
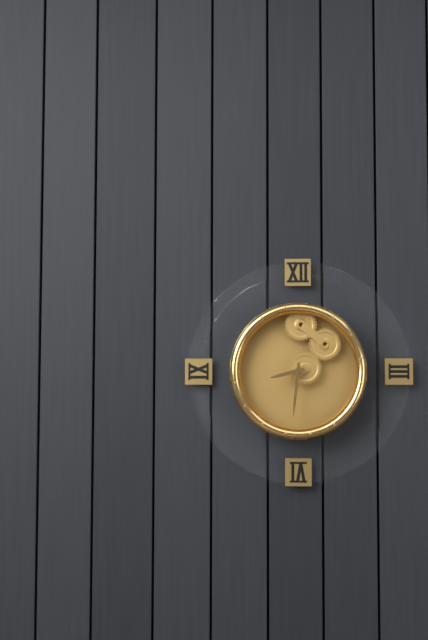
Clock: 8:31
